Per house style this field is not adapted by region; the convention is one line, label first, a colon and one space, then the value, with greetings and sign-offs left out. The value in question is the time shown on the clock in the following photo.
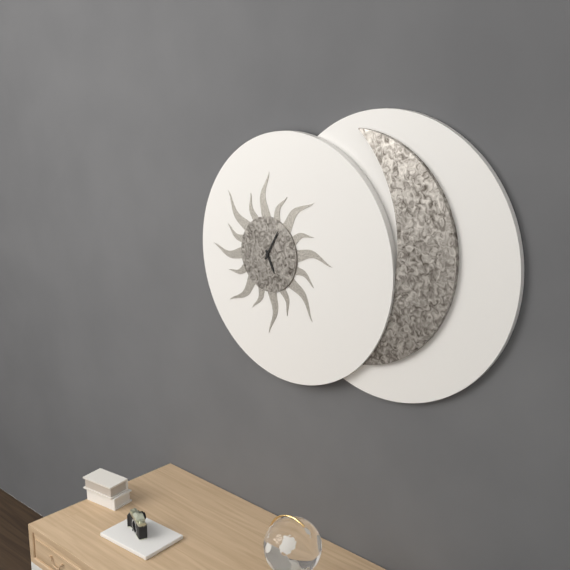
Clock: 5:05
